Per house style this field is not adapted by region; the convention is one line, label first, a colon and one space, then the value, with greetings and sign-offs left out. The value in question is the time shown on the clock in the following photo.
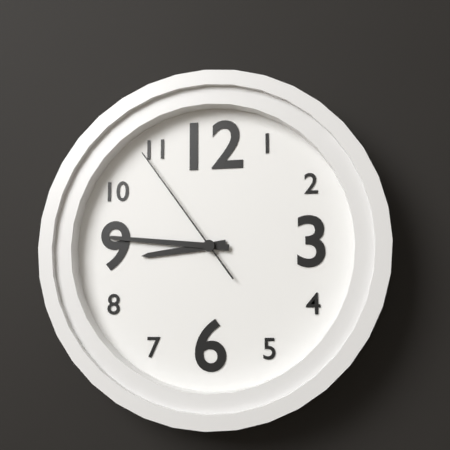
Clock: 8:46:54
